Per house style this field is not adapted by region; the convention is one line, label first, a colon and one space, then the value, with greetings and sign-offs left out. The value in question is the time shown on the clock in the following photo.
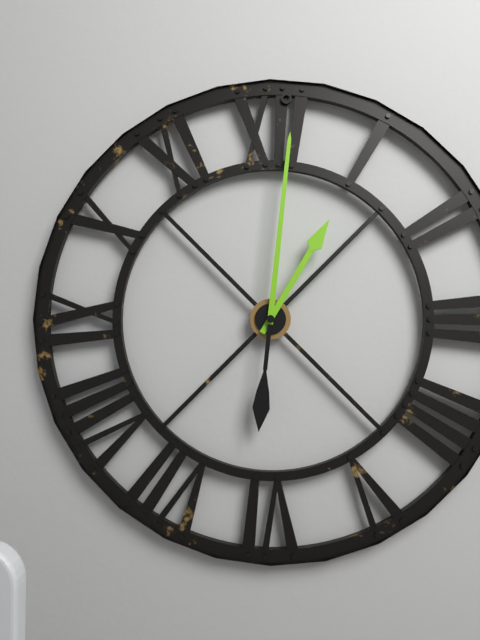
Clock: 1:01
